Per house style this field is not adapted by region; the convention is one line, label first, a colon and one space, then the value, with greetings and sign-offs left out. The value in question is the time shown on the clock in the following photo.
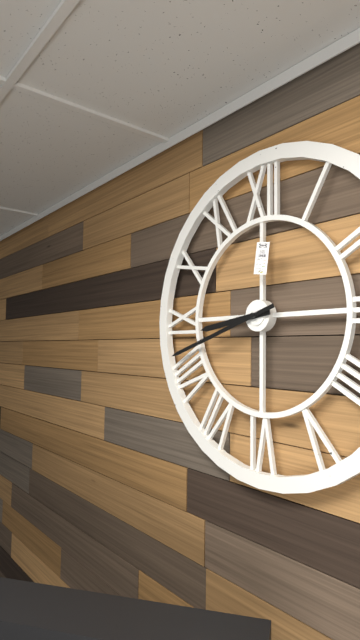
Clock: 8:42
